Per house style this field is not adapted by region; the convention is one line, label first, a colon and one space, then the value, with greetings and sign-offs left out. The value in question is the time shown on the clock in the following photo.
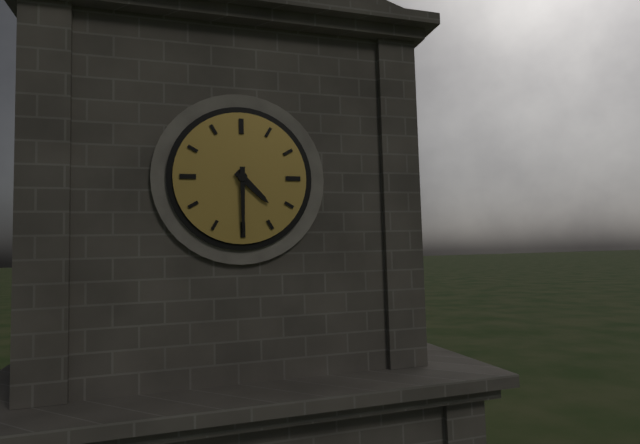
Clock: 4:30
